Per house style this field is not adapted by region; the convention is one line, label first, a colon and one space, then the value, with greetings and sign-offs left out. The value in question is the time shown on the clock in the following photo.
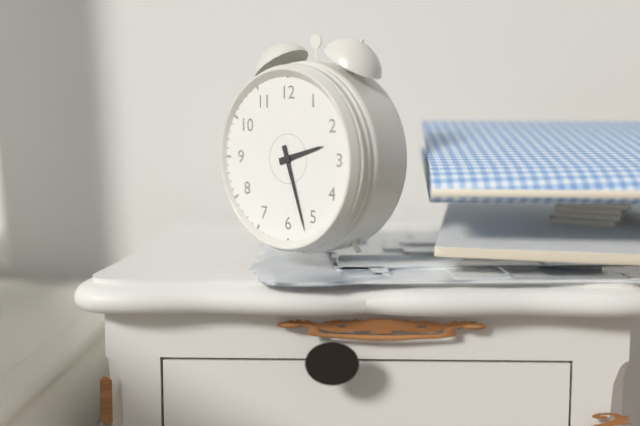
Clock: 2:27
